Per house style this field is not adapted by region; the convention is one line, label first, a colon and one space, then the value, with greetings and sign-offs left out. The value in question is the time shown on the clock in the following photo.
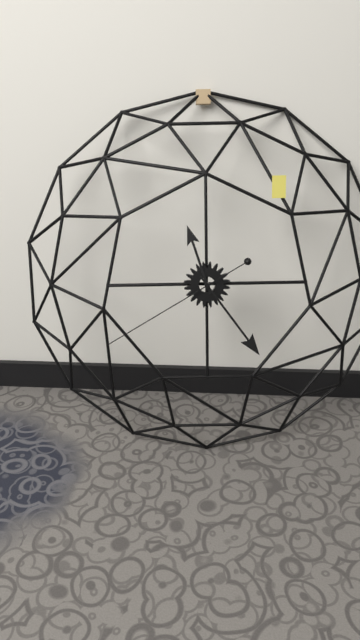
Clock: 11:24:40
